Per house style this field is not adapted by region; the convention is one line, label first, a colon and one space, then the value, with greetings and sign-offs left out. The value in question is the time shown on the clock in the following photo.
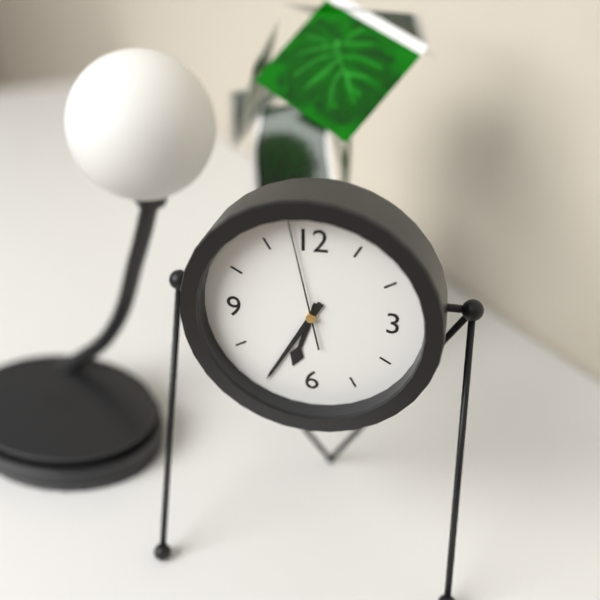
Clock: 6:35:58
